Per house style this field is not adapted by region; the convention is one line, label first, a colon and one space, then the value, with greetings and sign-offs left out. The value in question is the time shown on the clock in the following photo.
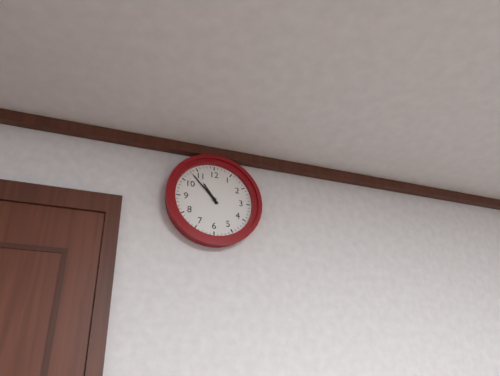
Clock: 10:53
